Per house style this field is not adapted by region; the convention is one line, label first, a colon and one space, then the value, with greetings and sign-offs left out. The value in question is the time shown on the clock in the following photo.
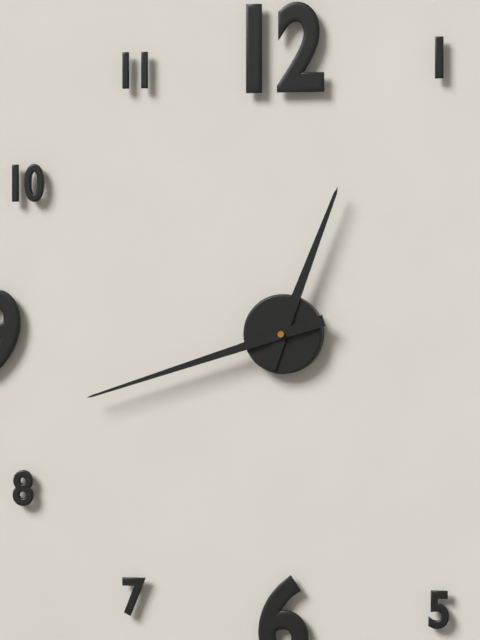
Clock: 12:42
